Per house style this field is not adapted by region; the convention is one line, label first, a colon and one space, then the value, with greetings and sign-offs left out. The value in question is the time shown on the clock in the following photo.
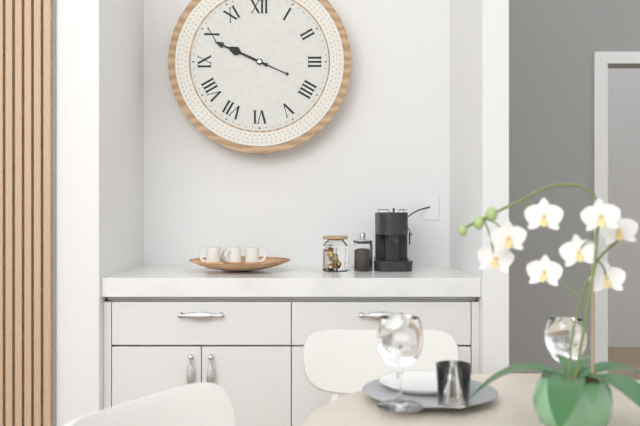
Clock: 9:49
